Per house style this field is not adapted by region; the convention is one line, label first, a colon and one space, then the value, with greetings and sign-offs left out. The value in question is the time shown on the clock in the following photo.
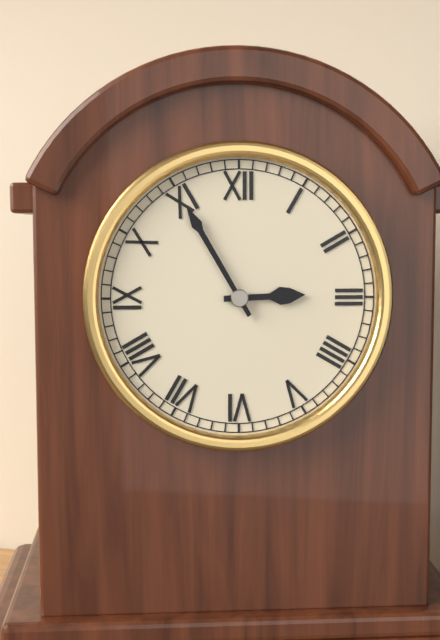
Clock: 2:55
